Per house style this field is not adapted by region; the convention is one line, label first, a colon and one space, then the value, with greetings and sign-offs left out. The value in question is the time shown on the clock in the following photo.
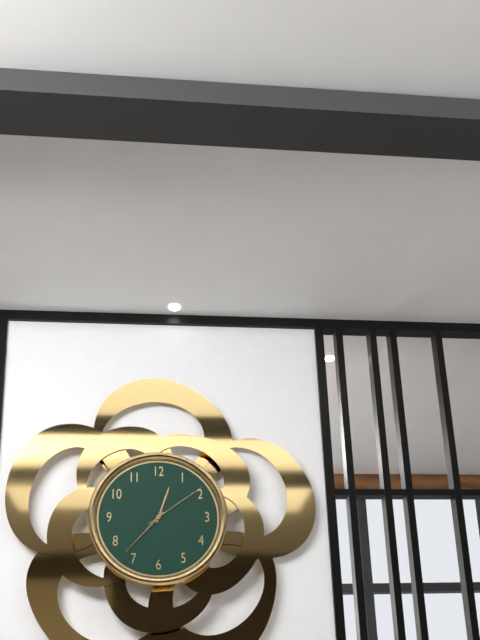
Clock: 12:37:09
